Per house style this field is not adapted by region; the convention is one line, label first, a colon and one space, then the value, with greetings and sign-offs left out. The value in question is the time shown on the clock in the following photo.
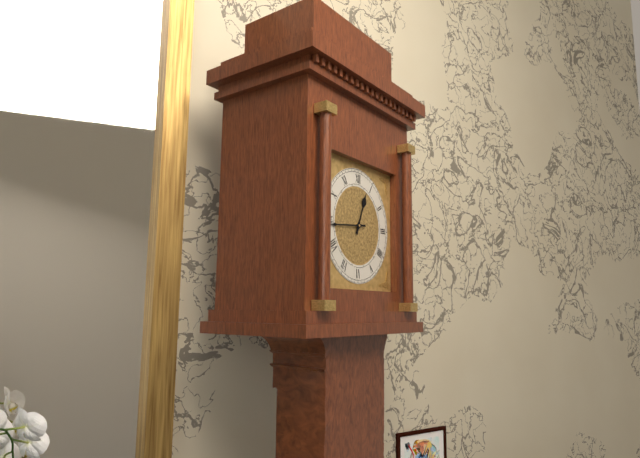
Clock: 12:44
